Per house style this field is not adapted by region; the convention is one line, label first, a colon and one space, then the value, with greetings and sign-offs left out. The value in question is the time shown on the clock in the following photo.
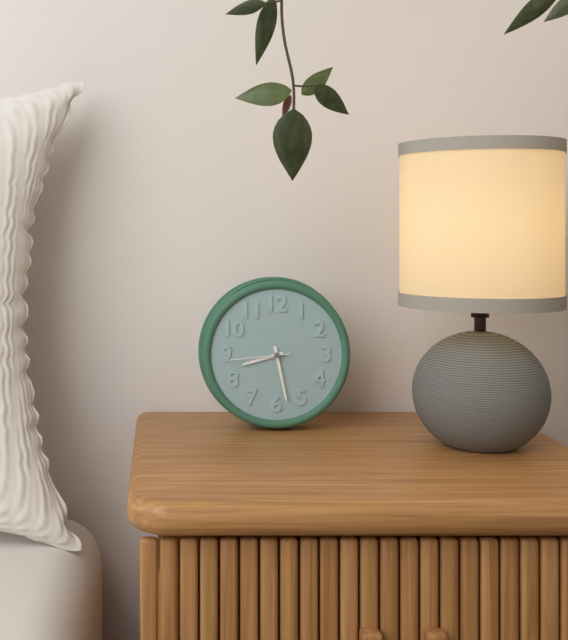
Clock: 8:28:44
